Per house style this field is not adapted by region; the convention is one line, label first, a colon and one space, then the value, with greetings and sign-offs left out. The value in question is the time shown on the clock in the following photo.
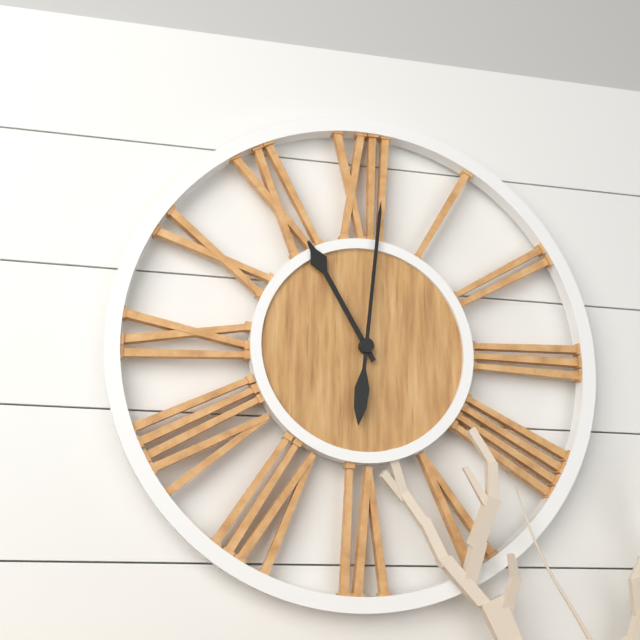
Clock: 11:01
